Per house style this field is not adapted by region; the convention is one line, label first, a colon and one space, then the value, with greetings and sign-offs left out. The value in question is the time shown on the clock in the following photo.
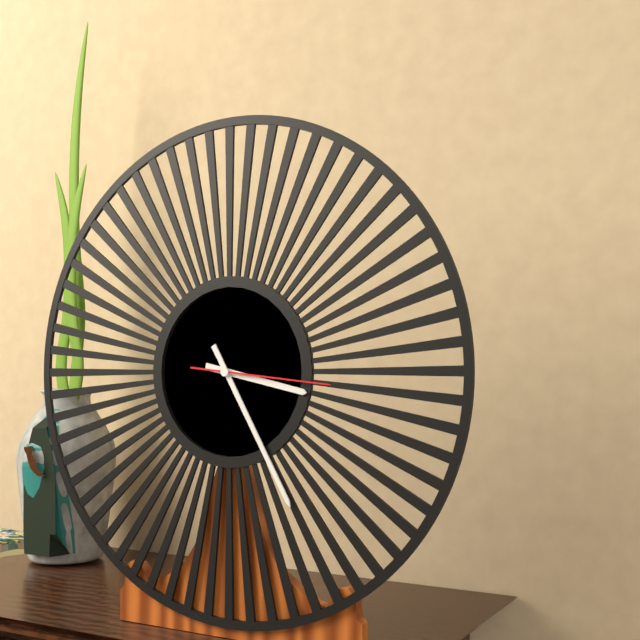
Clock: 3:25:16
